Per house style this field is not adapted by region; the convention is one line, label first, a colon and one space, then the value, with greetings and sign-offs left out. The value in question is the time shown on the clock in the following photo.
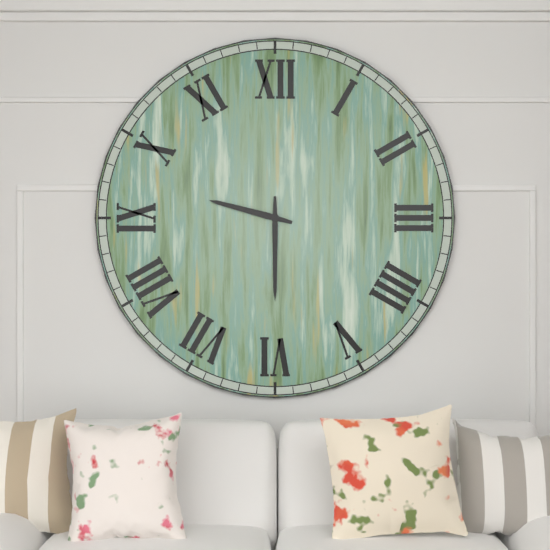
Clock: 9:30
